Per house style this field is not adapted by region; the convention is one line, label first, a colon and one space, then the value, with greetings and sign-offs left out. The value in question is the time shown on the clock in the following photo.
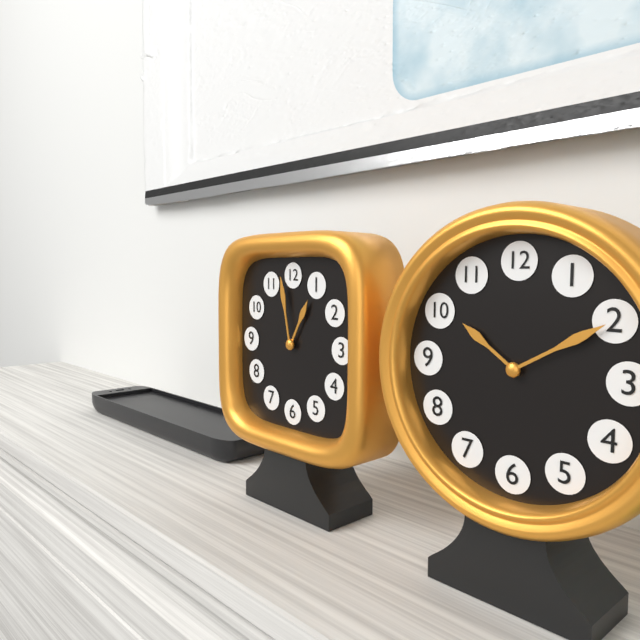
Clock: 12:58
